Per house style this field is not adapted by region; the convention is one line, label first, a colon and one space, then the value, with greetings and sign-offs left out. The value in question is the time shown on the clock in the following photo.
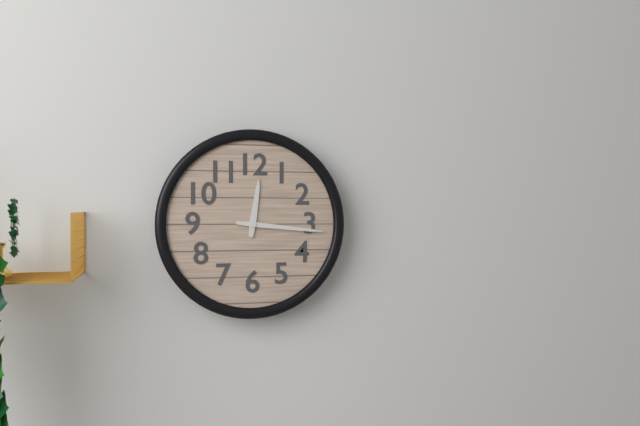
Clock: 12:16
